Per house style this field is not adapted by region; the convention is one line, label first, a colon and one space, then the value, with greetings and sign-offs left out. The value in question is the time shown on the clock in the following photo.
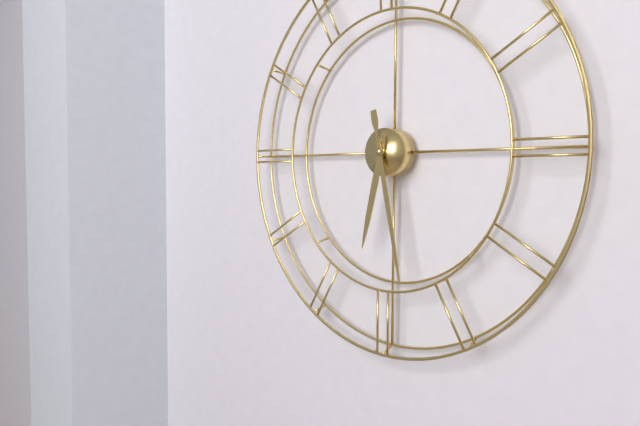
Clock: 6:28
